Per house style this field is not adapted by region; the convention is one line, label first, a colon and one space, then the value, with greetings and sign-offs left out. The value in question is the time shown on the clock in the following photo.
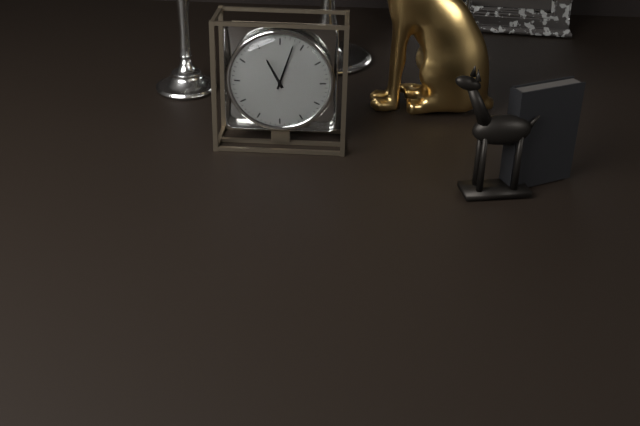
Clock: 11:03
